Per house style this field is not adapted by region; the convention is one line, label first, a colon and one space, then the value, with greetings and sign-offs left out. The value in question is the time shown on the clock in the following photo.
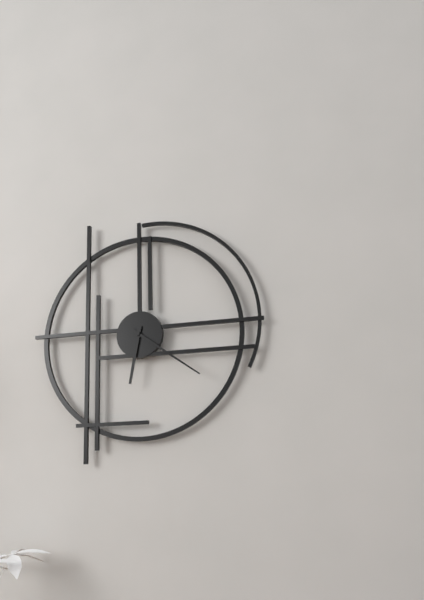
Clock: 6:21
